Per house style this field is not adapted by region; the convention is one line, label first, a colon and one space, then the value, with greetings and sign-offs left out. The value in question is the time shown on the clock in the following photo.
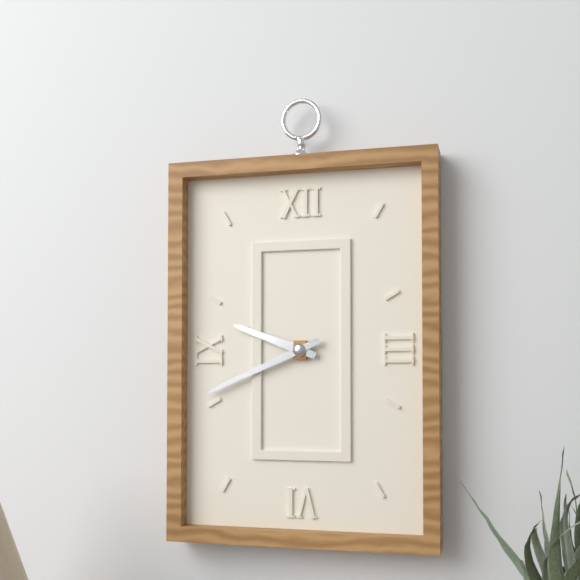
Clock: 9:41
